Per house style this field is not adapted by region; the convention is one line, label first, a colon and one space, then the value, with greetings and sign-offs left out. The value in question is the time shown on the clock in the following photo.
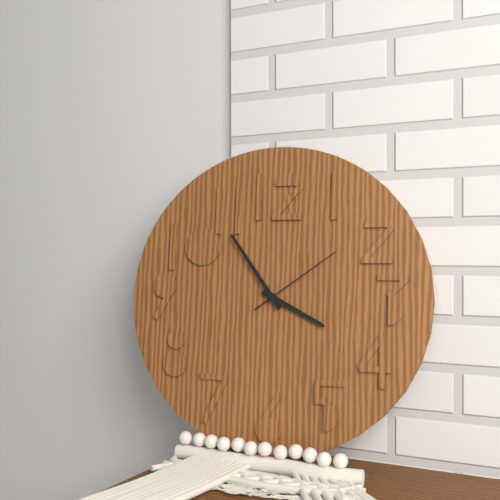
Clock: 3:54:09
